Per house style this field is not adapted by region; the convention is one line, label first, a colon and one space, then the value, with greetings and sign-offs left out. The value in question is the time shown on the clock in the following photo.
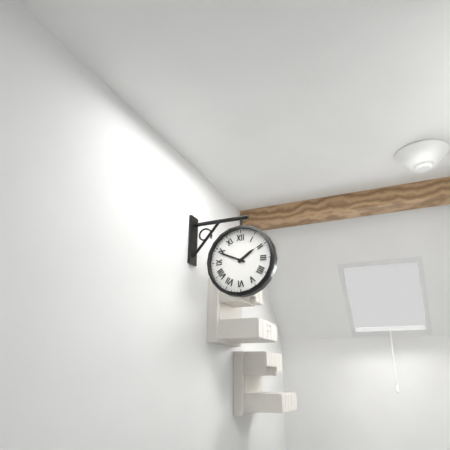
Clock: 1:49
